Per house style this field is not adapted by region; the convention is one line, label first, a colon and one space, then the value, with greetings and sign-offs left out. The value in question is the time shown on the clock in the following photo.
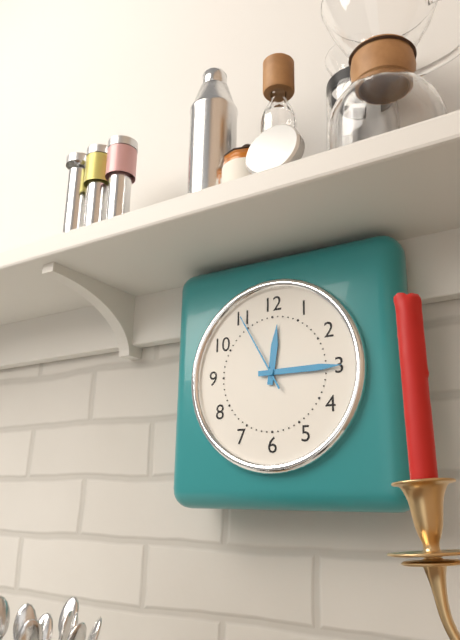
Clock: 12:15:55
